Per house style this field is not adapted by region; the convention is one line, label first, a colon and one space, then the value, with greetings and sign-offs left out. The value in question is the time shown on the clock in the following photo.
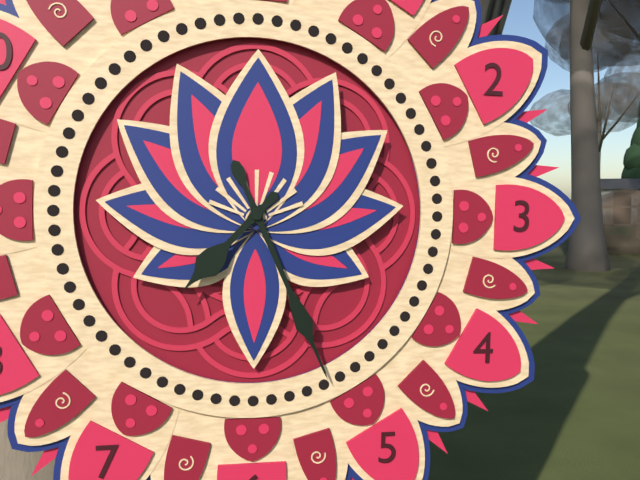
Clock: 7:26
